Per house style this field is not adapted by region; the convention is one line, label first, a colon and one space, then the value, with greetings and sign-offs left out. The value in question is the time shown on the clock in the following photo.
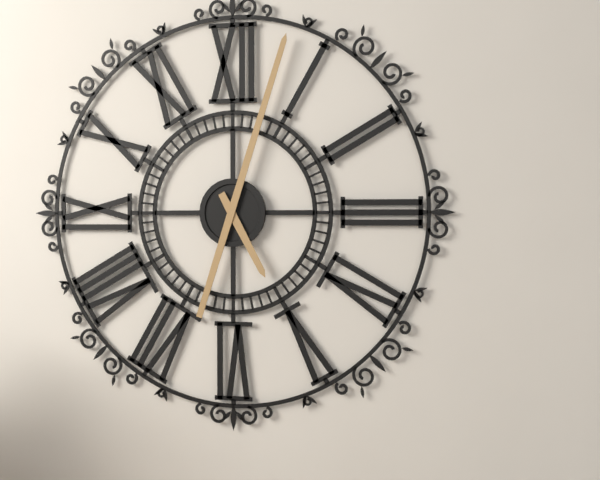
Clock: 5:03
